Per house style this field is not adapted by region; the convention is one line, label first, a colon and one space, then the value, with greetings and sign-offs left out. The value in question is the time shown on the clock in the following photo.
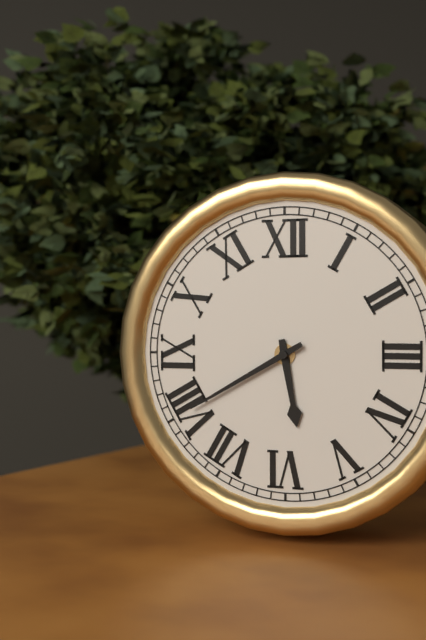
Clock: 5:40
